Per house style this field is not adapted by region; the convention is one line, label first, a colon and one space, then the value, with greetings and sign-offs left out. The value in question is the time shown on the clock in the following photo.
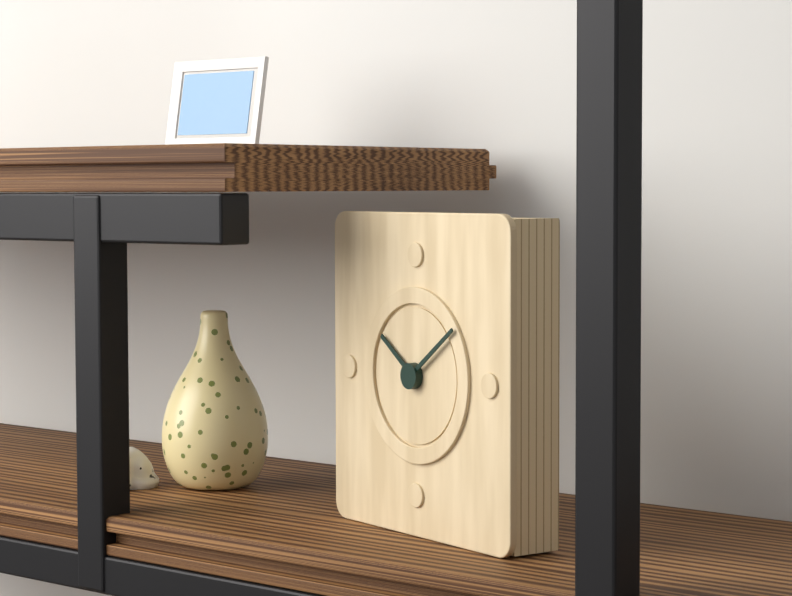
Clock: 10:09
